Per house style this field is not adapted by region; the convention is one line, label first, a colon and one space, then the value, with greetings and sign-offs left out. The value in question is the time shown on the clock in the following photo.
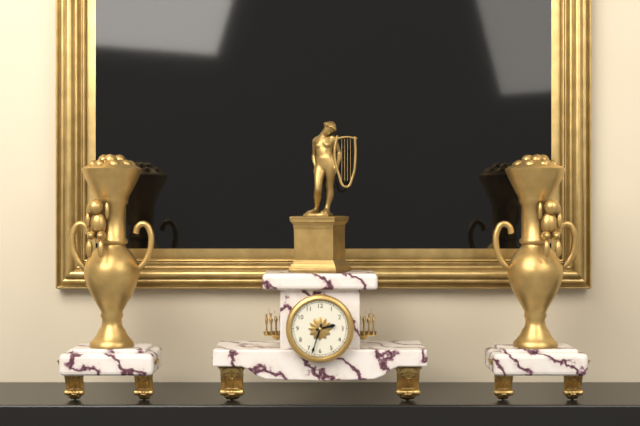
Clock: 2:33
